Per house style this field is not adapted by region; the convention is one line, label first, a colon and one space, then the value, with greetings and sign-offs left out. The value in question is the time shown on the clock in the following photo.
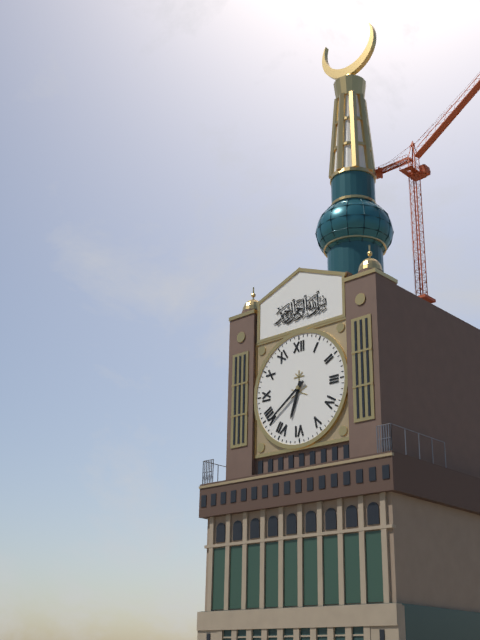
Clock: 6:39
